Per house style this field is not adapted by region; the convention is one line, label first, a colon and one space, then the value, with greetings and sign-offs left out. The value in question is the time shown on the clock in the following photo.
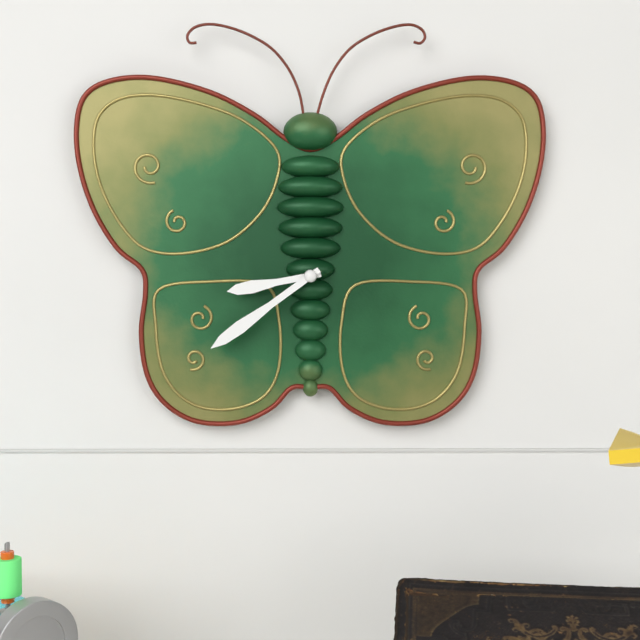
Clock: 8:39
